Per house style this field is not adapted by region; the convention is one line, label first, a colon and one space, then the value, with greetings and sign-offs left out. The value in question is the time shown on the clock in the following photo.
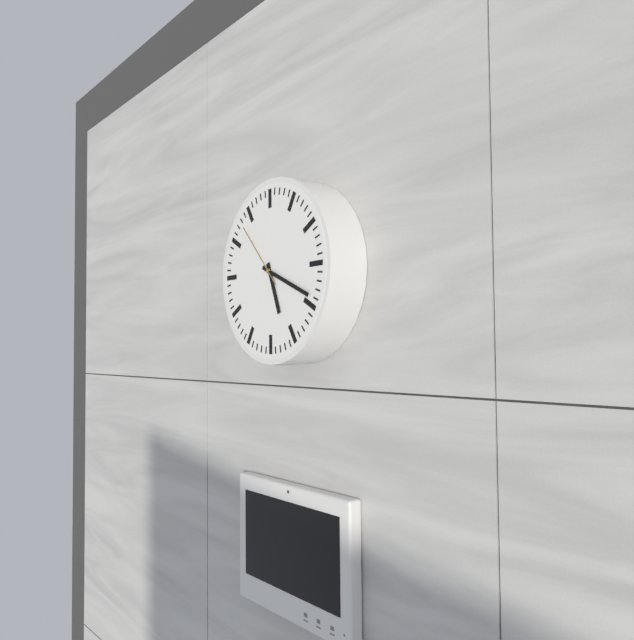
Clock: 5:19:53
